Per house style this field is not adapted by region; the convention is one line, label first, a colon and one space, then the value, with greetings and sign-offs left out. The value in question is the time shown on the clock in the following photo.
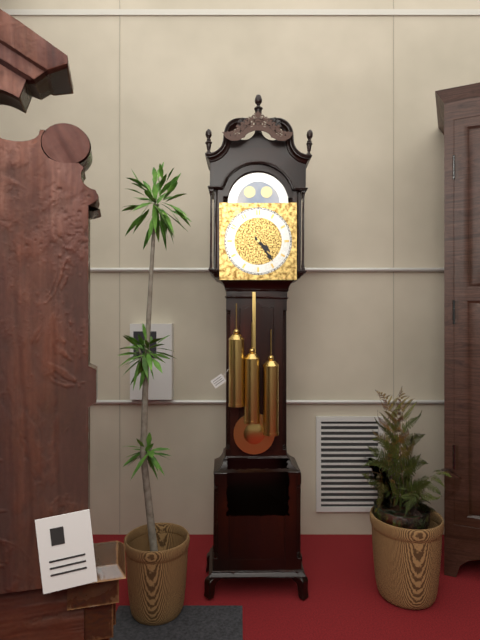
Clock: 4:24
